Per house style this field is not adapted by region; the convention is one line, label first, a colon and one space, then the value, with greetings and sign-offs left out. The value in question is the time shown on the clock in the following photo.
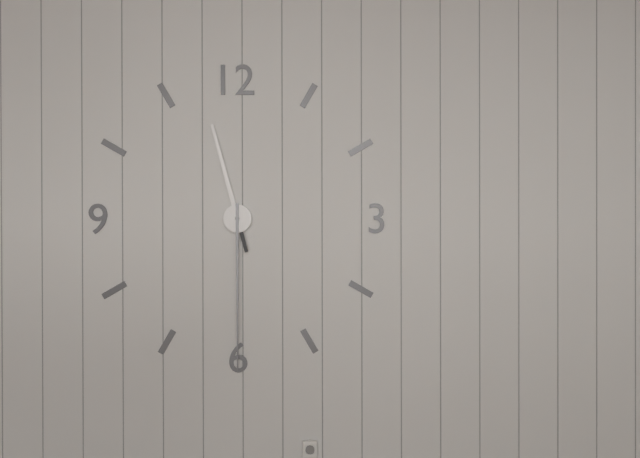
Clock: 11:30
